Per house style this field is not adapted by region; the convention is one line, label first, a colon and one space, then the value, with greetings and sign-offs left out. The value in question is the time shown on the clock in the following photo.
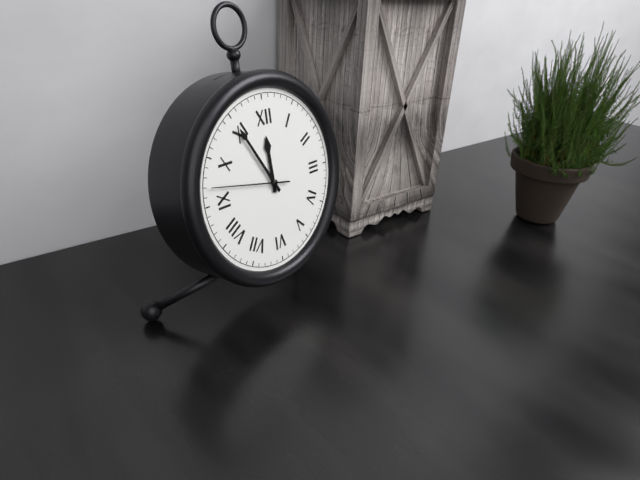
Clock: 11:55:47
